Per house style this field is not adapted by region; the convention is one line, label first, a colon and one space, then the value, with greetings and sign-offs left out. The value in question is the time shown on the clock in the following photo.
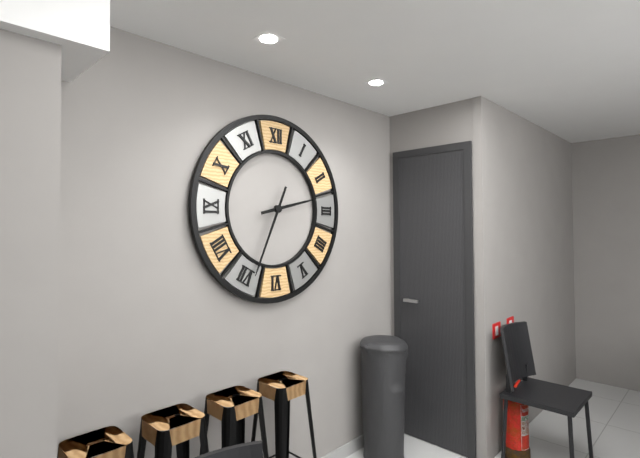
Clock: 2:34
